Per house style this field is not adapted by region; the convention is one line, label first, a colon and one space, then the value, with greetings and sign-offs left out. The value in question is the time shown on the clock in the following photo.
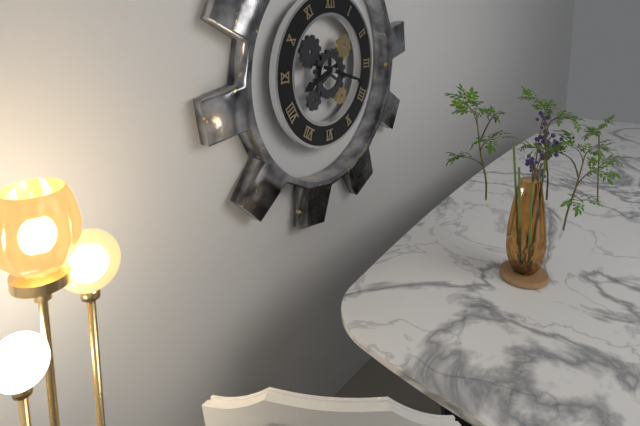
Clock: 8:18
